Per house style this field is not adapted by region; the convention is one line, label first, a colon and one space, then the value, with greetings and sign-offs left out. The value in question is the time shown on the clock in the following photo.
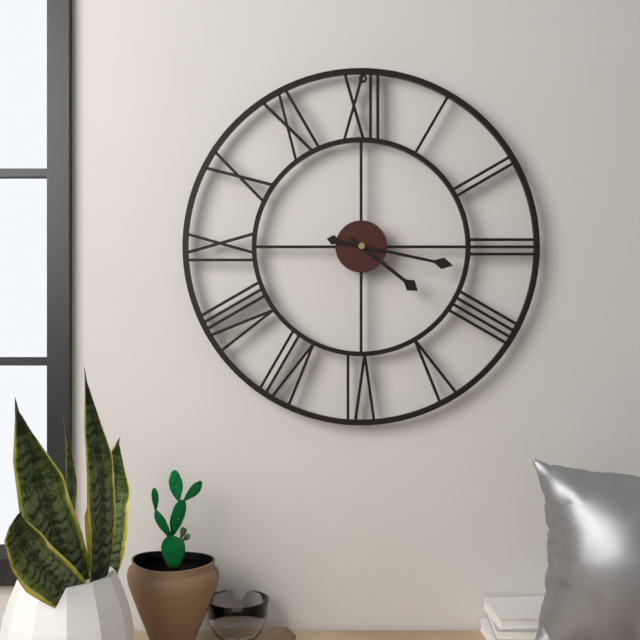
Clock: 4:17
